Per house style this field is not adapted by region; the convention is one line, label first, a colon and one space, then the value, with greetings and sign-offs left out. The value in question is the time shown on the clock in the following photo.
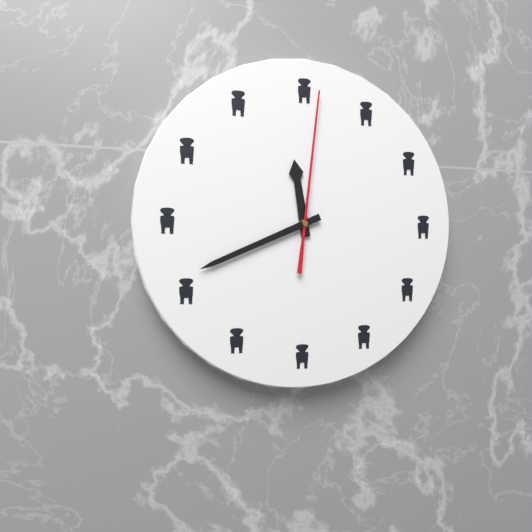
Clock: 11:41:01
